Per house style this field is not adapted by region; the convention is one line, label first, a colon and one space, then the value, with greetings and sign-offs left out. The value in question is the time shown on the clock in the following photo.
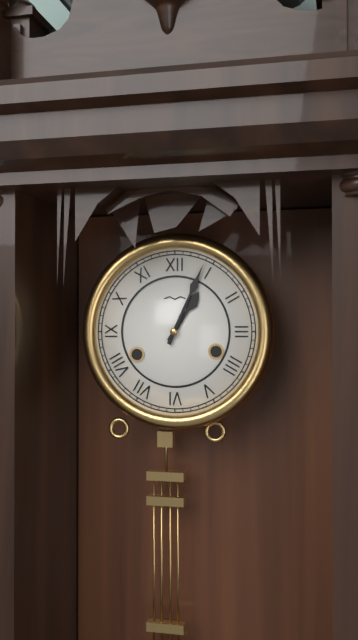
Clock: 1:04
